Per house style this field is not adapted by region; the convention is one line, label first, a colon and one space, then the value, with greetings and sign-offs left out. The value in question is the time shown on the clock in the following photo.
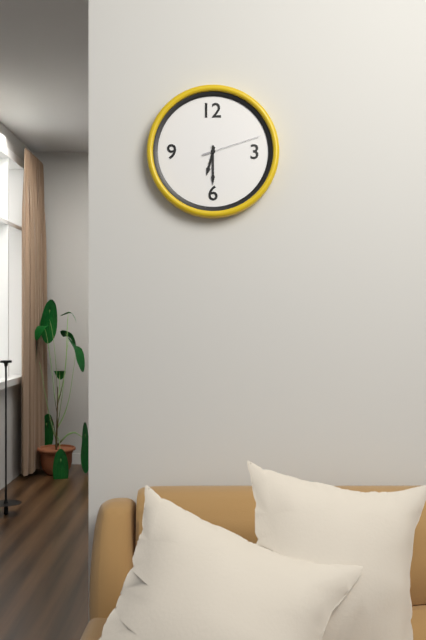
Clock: 6:30:12
